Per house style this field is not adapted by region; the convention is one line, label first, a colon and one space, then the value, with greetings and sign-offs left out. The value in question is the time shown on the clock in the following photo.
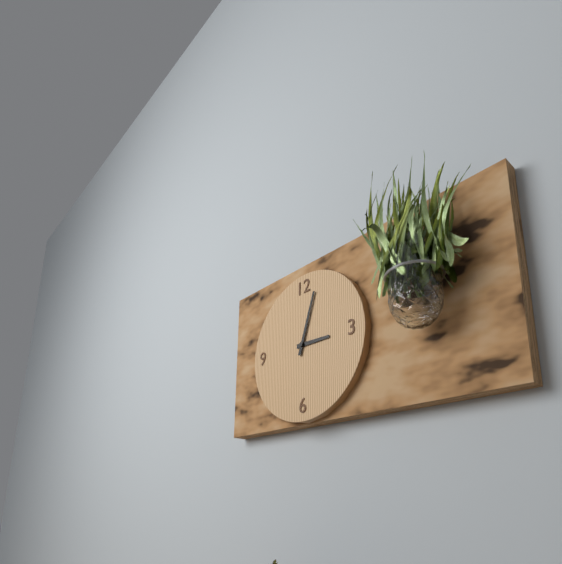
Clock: 3:03
